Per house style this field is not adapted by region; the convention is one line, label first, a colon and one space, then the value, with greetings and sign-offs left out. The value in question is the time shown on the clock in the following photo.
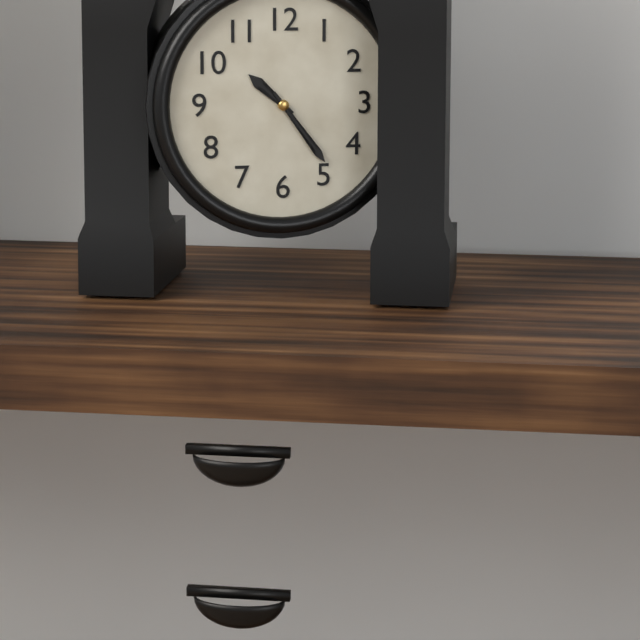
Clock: 10:24
